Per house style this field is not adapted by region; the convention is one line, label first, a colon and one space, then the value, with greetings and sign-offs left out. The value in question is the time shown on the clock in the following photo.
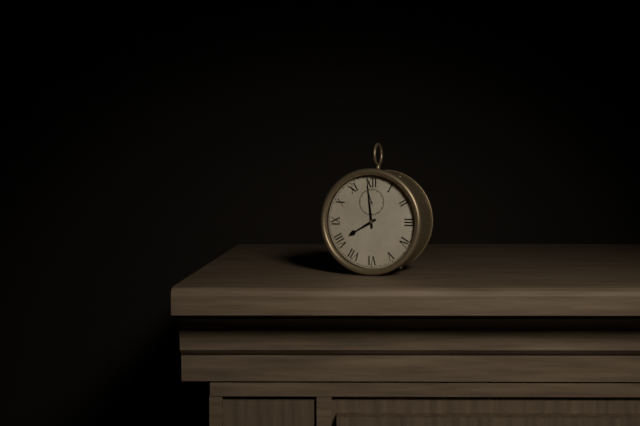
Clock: 7:59
